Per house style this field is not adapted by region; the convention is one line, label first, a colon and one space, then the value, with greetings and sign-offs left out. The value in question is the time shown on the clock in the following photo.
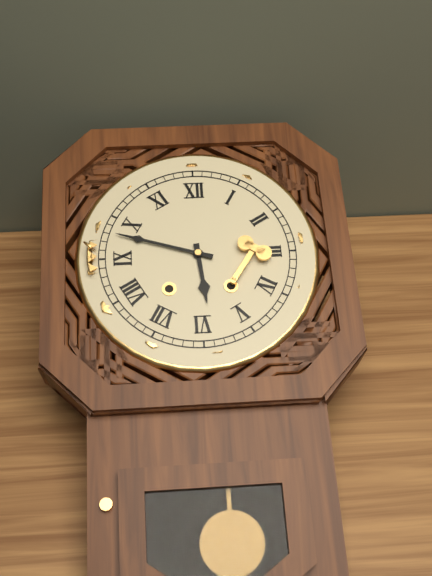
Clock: 5:48
